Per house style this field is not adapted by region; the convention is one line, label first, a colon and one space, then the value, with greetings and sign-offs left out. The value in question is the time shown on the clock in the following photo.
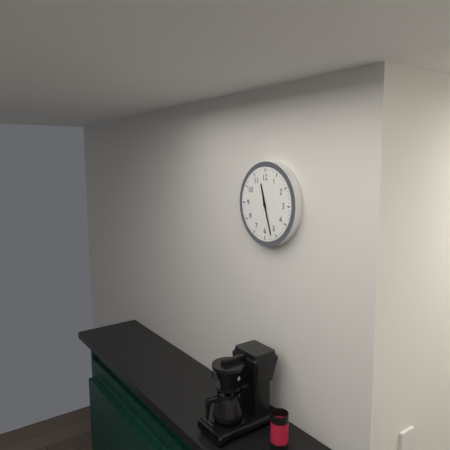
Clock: 11:27
